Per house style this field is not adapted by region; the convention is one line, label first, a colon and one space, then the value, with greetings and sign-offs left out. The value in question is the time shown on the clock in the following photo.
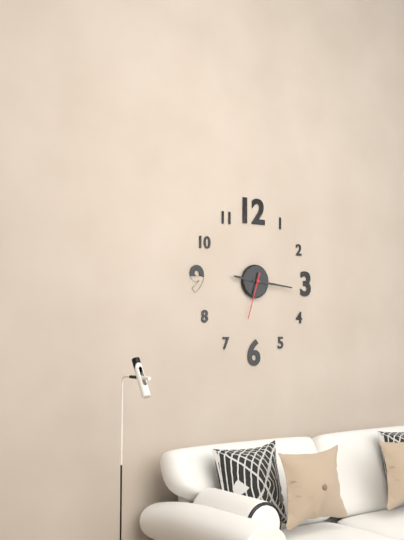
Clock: 9:16
